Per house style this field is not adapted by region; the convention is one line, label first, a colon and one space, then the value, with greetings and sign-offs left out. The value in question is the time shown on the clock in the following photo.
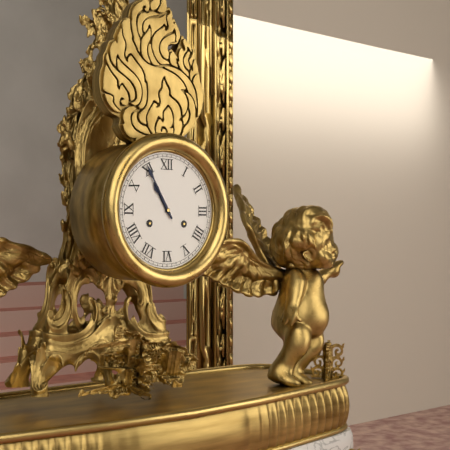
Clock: 10:55
